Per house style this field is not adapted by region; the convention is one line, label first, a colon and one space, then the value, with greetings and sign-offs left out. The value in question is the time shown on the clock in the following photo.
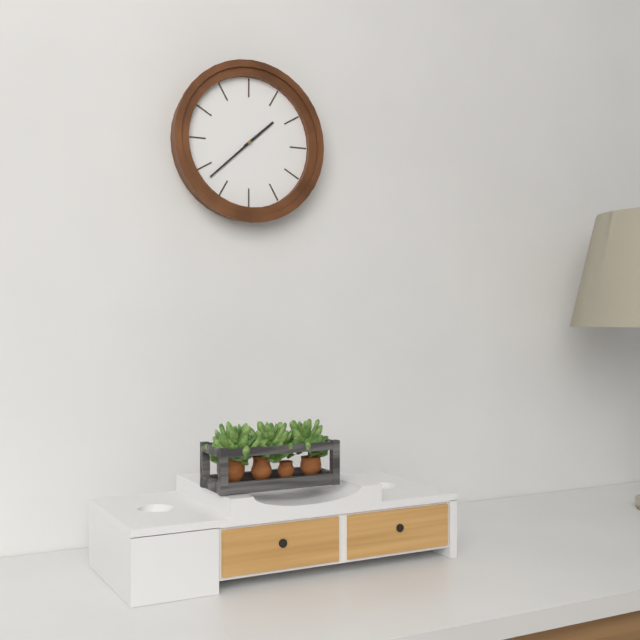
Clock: 1:38
